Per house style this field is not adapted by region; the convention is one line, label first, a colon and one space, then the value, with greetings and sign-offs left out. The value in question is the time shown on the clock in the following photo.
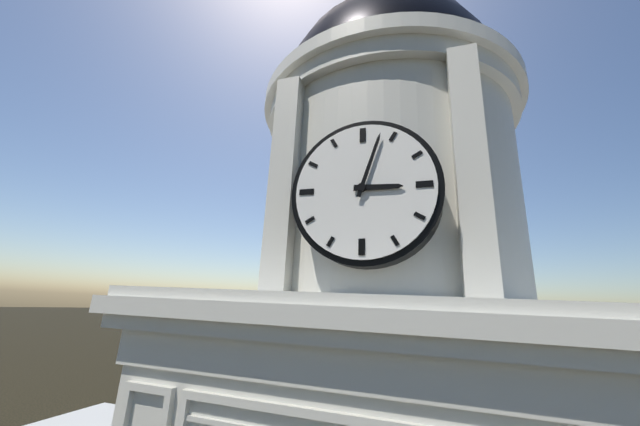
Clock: 3:03
